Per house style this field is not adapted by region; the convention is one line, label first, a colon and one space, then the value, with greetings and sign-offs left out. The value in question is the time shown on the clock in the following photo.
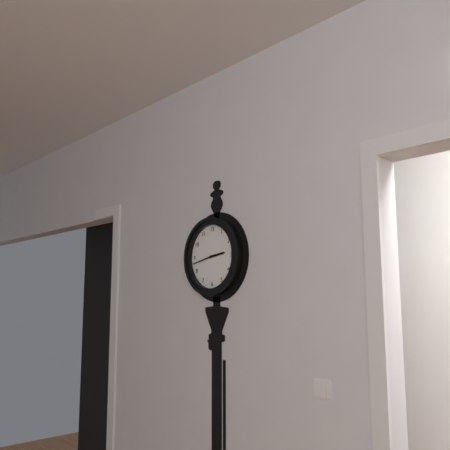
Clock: 2:43
